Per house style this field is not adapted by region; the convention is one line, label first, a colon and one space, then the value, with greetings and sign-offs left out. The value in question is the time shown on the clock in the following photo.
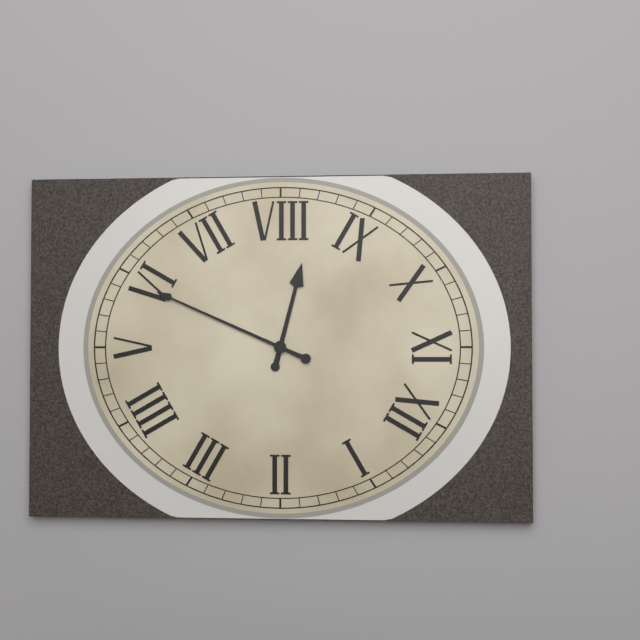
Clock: 8:29
